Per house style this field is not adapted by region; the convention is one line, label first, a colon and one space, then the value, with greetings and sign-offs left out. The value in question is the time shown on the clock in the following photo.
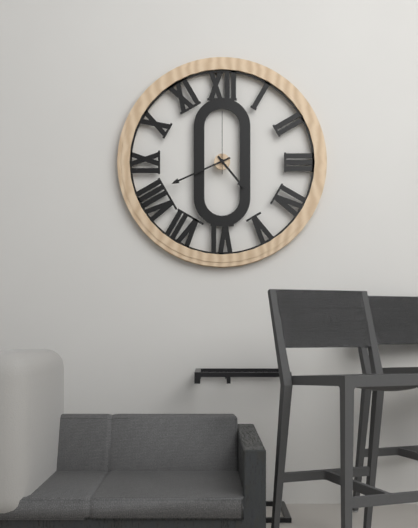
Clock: 4:41:00
